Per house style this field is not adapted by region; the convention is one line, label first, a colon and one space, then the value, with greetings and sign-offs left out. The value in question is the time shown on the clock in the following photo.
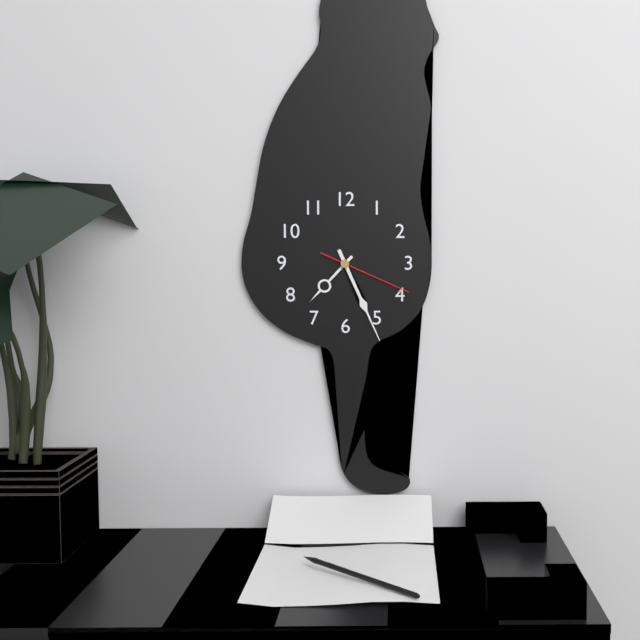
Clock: 7:26:19
